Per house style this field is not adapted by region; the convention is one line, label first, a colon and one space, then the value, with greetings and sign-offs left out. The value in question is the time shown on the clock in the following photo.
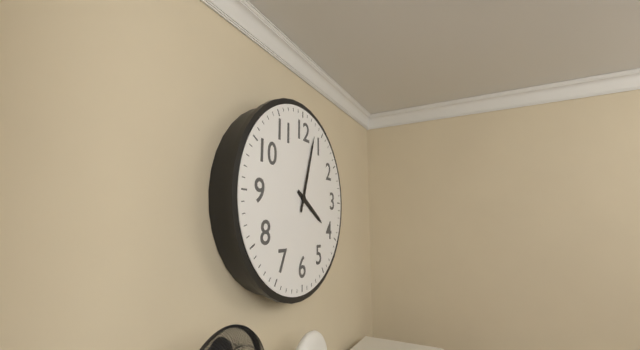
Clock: 4:03
